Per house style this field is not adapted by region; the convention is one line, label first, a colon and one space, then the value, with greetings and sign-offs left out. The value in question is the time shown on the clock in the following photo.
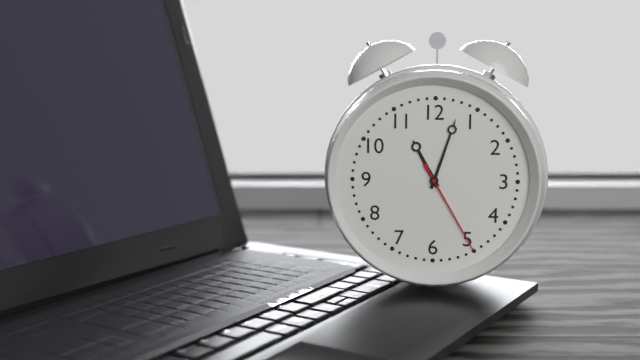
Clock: 11:03:25
